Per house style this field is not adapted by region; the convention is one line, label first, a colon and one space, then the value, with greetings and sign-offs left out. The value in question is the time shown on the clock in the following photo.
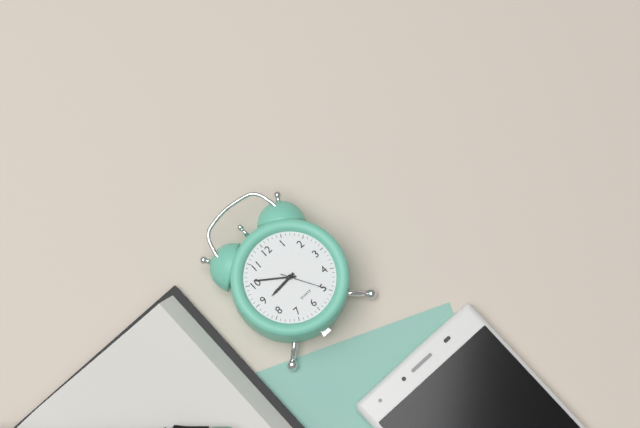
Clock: 8:51
